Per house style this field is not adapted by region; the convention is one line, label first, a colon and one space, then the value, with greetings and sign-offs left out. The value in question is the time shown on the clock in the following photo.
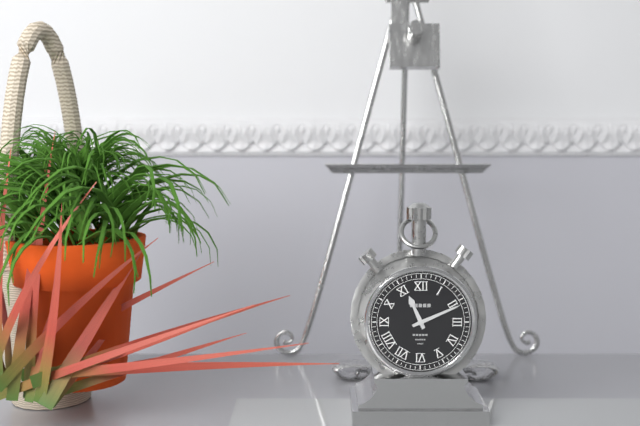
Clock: 11:11
